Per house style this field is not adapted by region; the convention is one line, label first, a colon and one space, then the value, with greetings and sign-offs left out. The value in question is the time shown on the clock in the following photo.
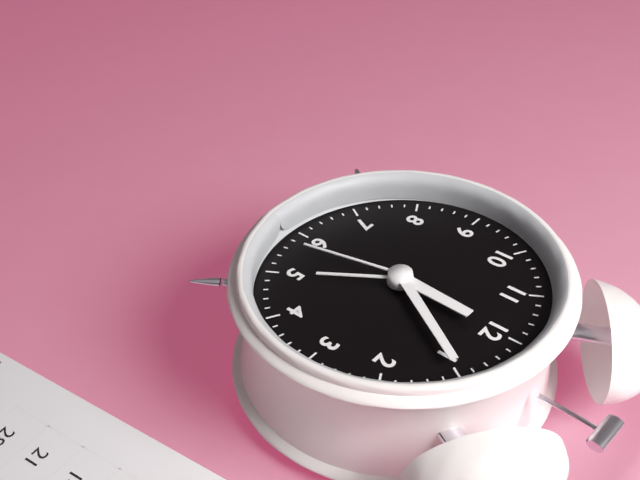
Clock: 12:05:28
